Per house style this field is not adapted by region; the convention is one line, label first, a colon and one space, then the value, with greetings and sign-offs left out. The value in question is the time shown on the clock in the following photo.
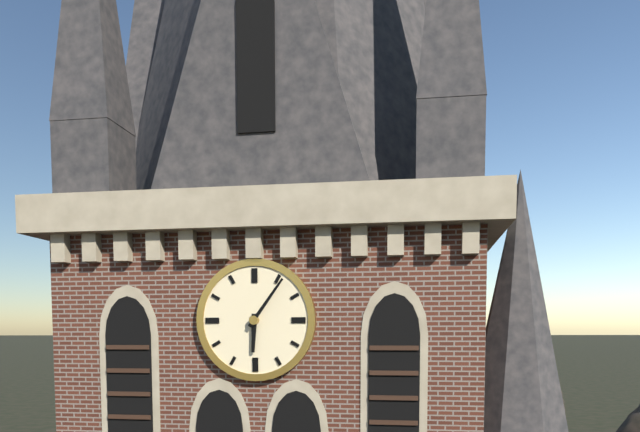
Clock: 6:06
